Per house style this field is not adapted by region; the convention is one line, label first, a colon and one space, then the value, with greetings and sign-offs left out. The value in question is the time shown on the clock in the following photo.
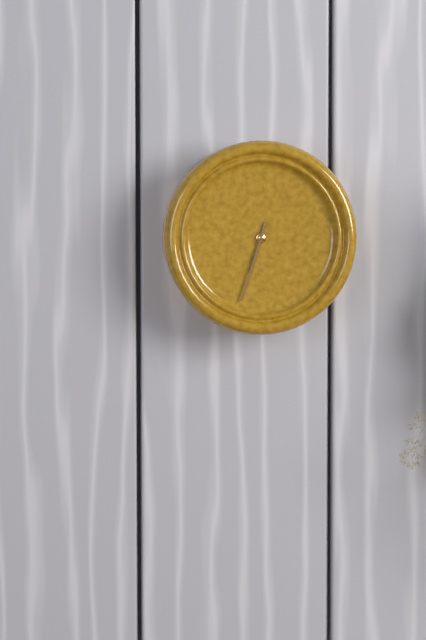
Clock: 6:33
